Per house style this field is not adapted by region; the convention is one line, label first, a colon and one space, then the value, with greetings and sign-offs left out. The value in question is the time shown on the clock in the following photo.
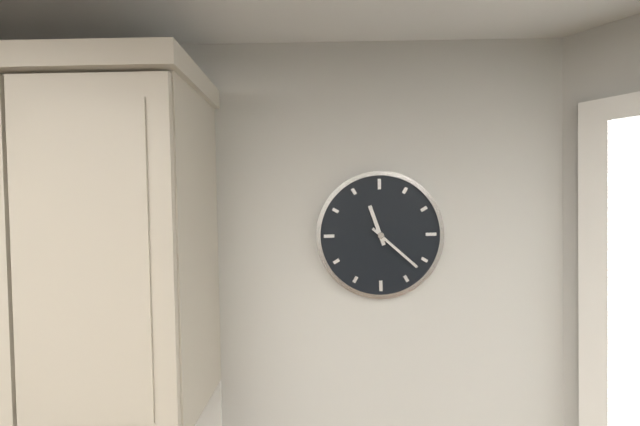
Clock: 11:22
